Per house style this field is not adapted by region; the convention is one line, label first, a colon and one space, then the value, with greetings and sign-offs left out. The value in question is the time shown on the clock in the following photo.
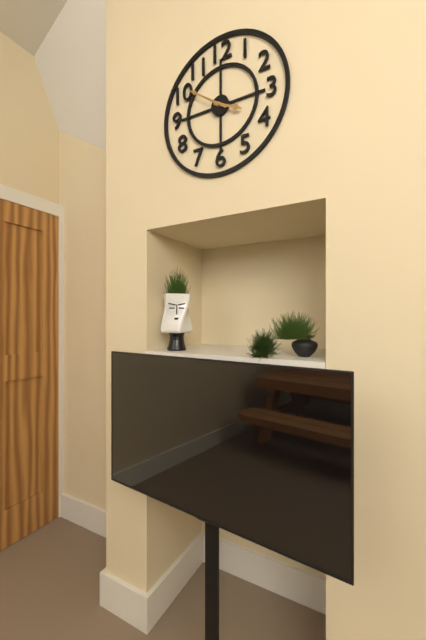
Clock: 3:51
